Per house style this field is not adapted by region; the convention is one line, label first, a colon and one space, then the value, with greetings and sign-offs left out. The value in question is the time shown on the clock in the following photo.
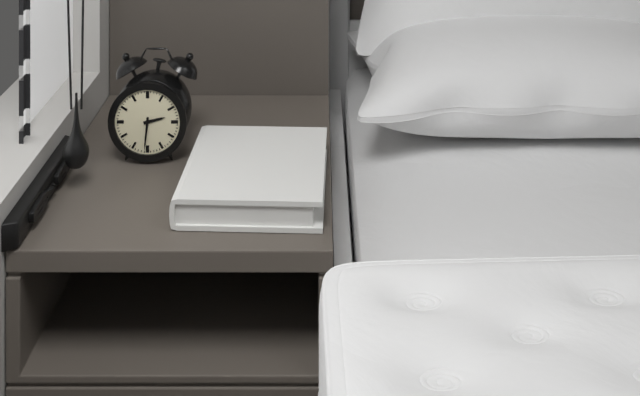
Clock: 2:31
